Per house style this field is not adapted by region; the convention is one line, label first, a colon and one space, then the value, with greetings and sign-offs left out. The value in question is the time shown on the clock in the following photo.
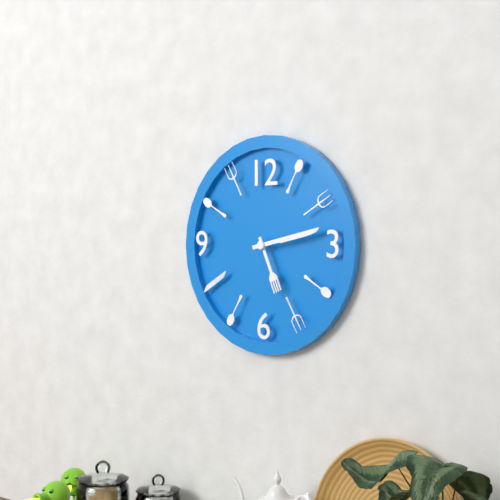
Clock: 5:13
